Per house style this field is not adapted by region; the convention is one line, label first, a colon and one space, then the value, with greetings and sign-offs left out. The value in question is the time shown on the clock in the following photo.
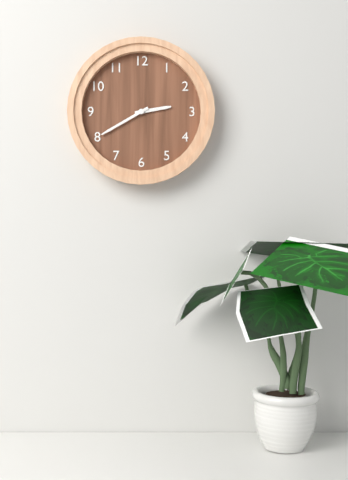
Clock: 2:40
